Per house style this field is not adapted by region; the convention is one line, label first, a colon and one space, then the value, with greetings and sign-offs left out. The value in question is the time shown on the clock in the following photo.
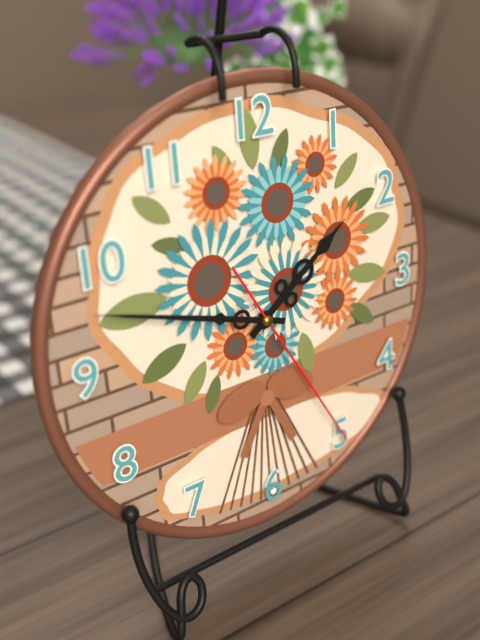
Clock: 1:48:25
